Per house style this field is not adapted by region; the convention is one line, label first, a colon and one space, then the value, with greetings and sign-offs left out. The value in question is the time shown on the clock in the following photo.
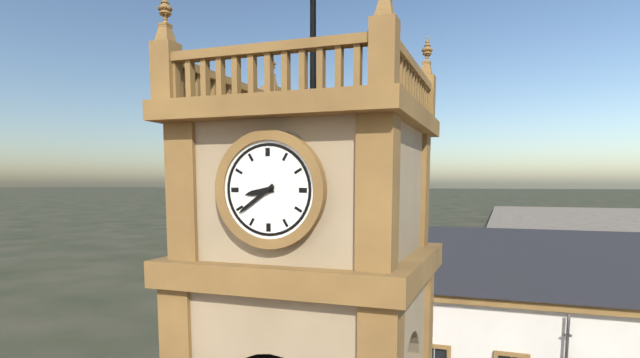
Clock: 8:39
